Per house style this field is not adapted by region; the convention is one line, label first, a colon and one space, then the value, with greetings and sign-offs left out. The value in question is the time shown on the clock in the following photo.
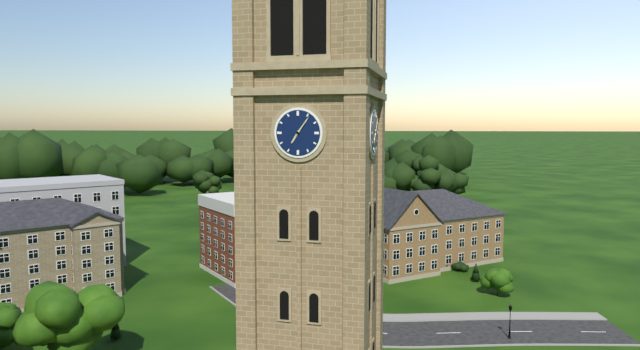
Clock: 7:06
